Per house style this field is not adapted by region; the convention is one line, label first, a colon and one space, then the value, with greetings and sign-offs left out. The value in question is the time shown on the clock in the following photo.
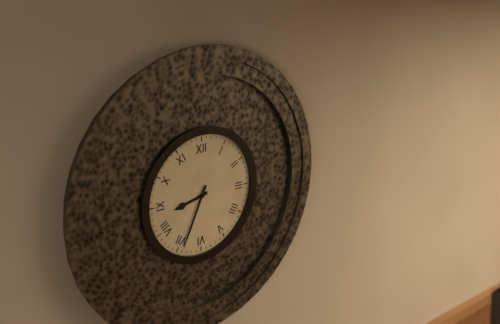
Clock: 8:34
